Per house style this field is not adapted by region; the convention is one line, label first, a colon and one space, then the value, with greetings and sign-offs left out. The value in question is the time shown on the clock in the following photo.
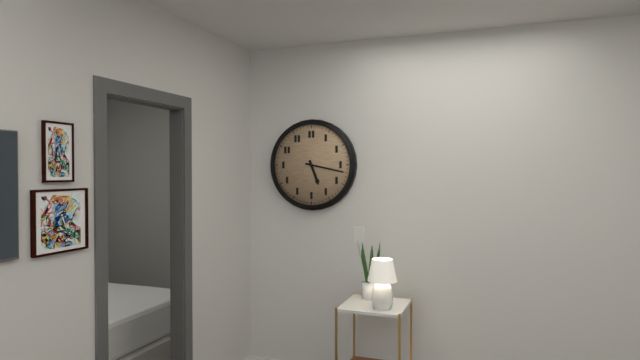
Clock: 5:17
